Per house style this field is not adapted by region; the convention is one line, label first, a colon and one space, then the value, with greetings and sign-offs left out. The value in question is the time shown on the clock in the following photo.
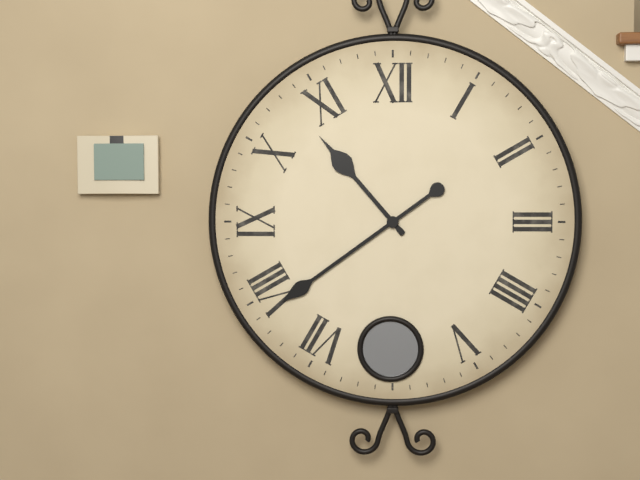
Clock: 10:39
